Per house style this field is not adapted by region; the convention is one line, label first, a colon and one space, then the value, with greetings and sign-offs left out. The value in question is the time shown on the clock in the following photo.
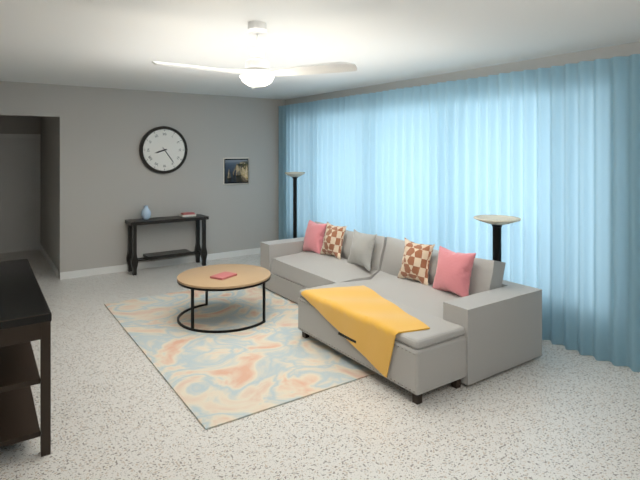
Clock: 8:24
